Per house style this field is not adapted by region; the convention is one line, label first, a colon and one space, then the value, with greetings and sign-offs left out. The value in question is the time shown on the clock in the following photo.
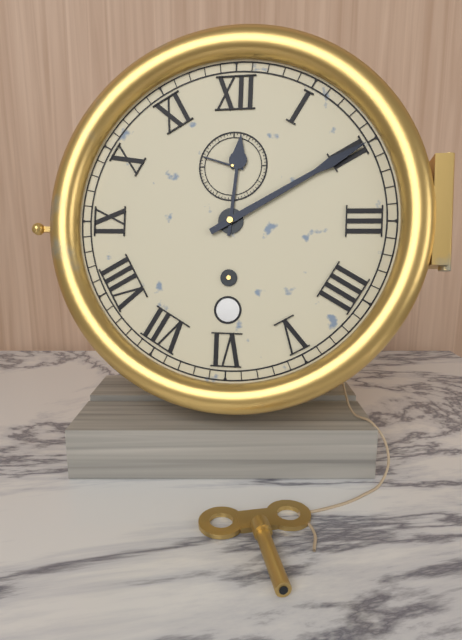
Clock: 12:10
